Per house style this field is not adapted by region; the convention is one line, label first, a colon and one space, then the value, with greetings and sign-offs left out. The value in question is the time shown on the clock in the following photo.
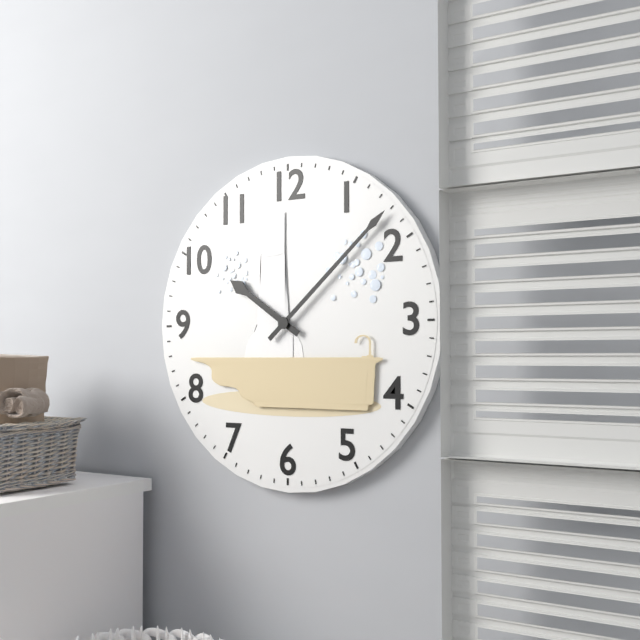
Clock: 10:08
